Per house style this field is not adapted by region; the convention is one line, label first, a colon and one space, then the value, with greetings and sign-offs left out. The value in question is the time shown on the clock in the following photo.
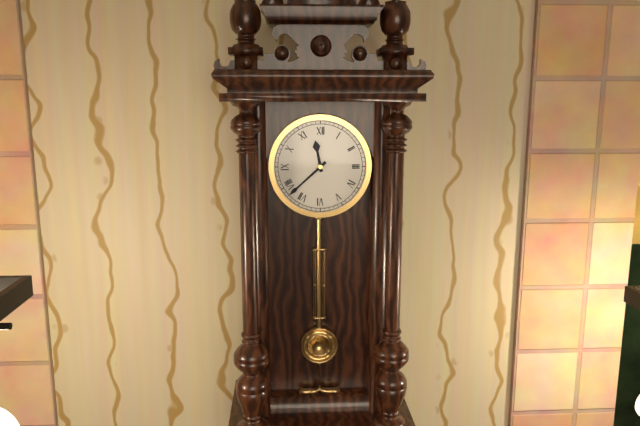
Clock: 11:38
